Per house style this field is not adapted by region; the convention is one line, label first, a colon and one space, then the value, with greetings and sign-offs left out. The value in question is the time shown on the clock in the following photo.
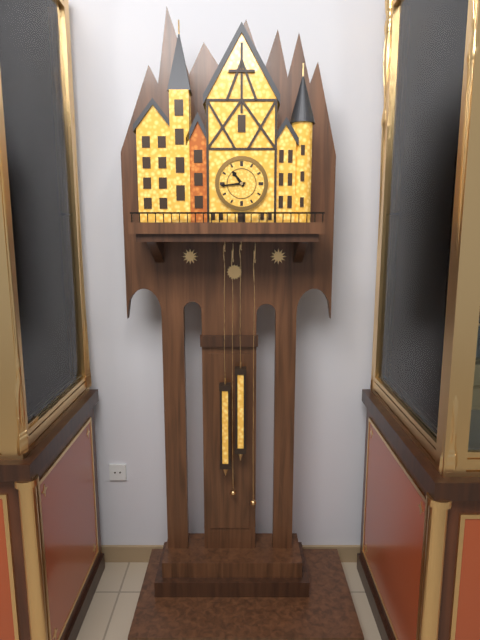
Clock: 10:44
